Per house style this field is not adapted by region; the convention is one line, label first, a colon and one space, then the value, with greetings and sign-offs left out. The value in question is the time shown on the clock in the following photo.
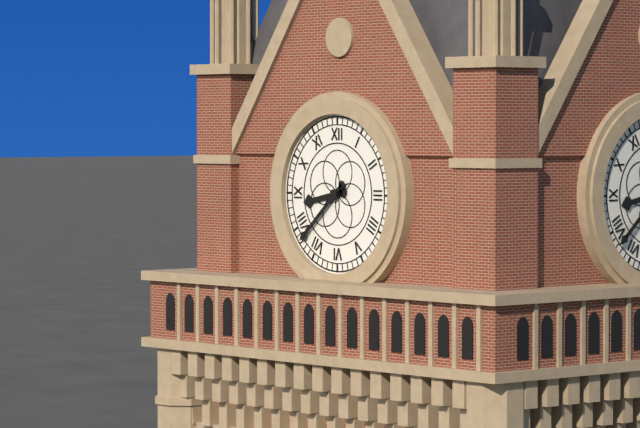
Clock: 8:38
